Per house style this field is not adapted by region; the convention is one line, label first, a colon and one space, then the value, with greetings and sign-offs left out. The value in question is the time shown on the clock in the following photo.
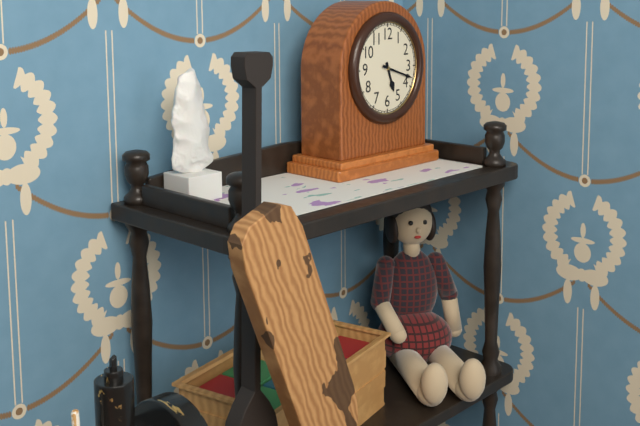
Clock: 5:18
